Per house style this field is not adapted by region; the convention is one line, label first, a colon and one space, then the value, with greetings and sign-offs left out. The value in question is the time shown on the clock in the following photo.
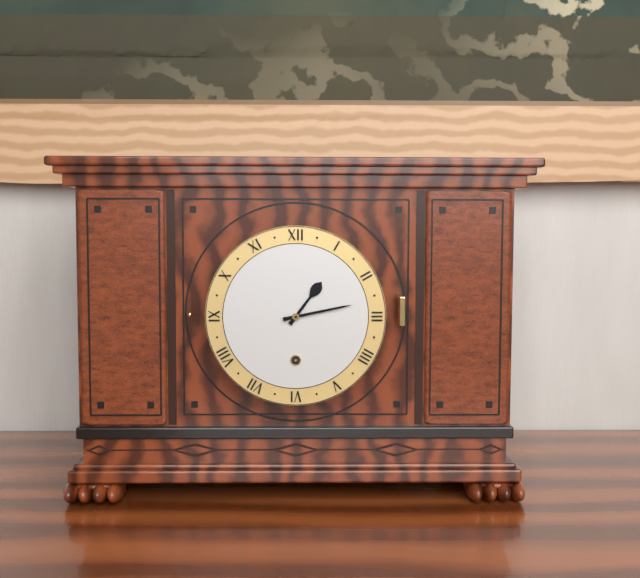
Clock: 1:13
